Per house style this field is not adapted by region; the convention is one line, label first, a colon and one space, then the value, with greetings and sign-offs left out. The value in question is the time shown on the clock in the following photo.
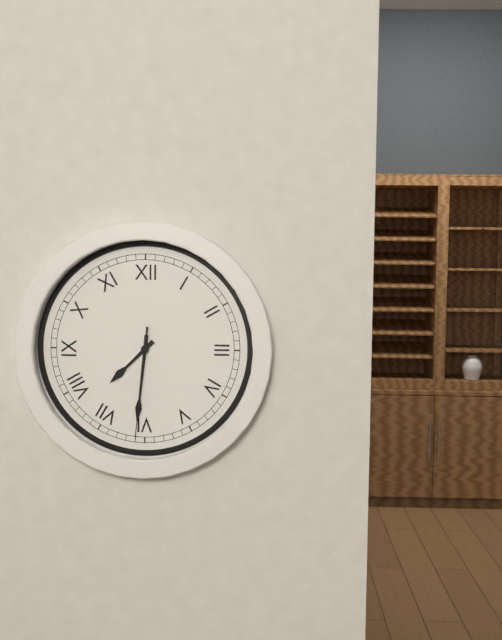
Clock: 7:31:31
